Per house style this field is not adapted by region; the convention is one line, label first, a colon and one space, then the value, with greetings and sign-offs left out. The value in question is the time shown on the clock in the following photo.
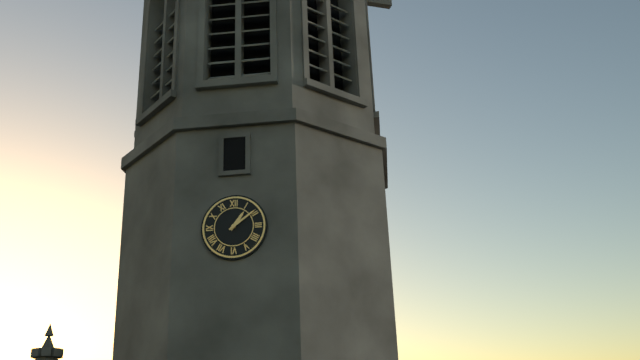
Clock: 1:09
